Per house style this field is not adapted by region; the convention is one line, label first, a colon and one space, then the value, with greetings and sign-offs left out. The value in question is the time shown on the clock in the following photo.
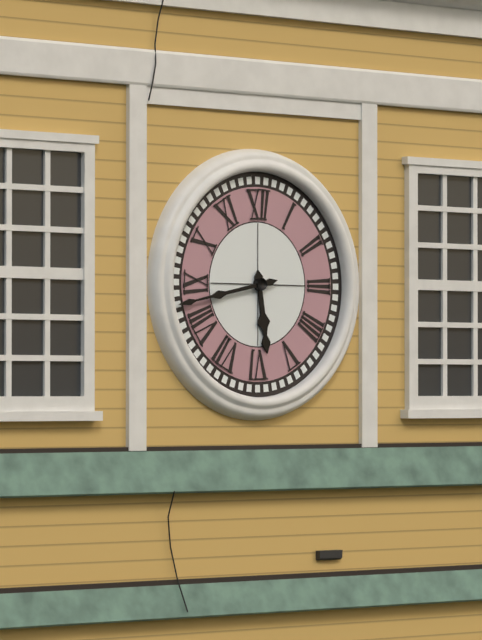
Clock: 5:43
